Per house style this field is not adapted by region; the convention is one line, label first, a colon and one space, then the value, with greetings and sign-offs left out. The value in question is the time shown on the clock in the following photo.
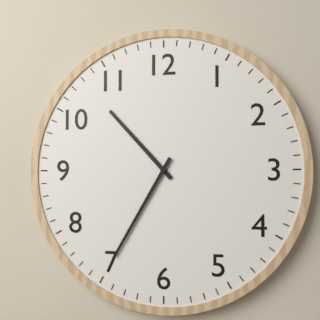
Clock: 10:35
